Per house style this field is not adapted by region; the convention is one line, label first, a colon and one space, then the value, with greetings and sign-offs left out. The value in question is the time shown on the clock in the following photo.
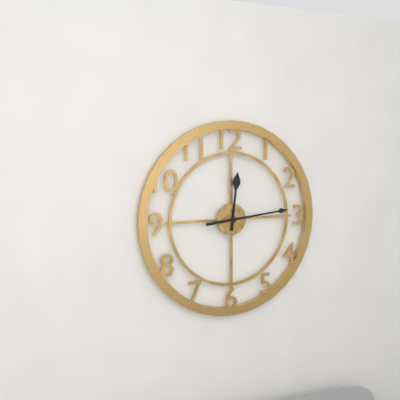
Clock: 12:14
